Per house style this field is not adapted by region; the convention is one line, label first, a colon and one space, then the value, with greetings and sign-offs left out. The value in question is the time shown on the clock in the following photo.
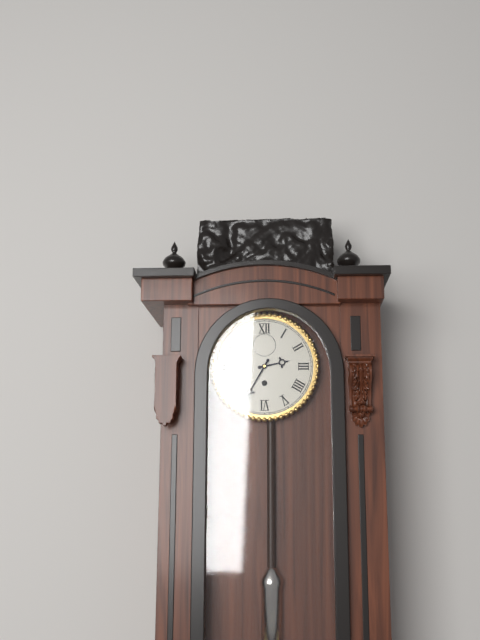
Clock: 2:35
